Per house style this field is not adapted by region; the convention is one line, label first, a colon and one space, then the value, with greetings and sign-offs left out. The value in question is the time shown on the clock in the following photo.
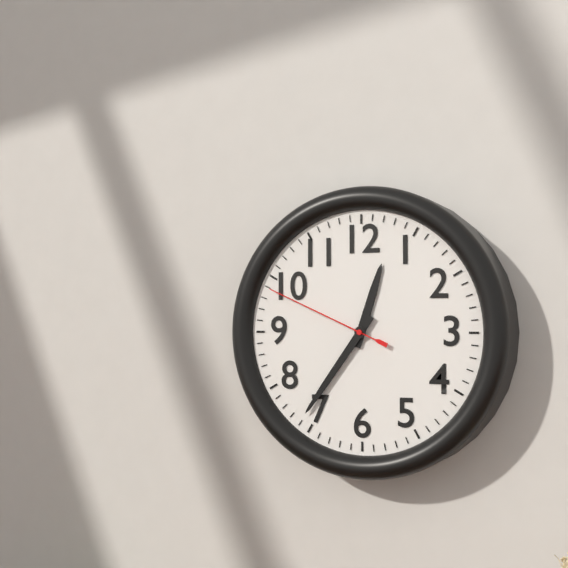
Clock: 12:36:49
